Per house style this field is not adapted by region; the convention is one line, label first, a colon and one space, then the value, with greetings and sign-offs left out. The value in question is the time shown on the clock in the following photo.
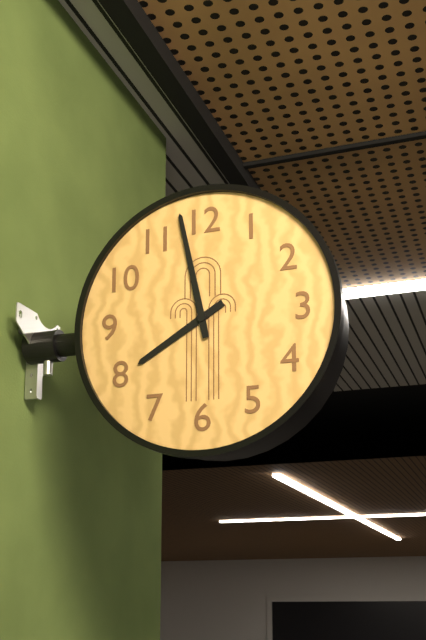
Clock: 7:58
